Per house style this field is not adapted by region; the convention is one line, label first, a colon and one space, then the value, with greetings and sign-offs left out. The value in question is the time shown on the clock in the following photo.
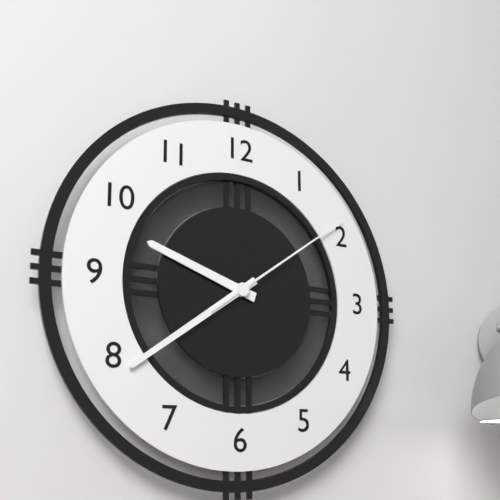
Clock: 9:39:09
